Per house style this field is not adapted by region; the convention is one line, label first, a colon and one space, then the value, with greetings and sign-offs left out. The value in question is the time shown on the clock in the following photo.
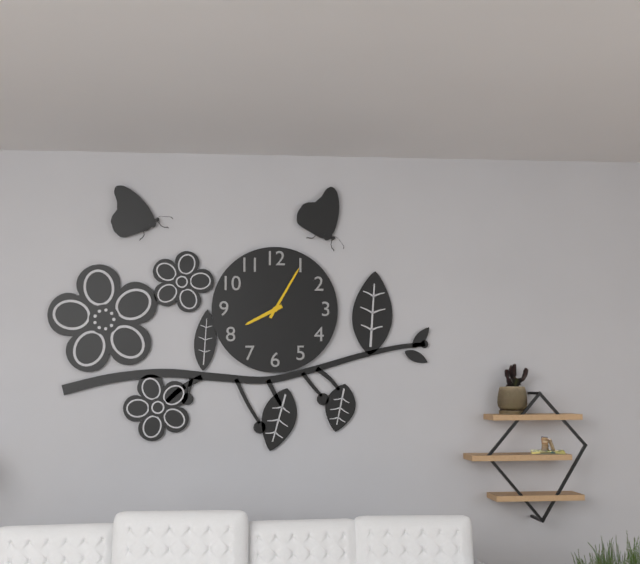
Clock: 8:05
